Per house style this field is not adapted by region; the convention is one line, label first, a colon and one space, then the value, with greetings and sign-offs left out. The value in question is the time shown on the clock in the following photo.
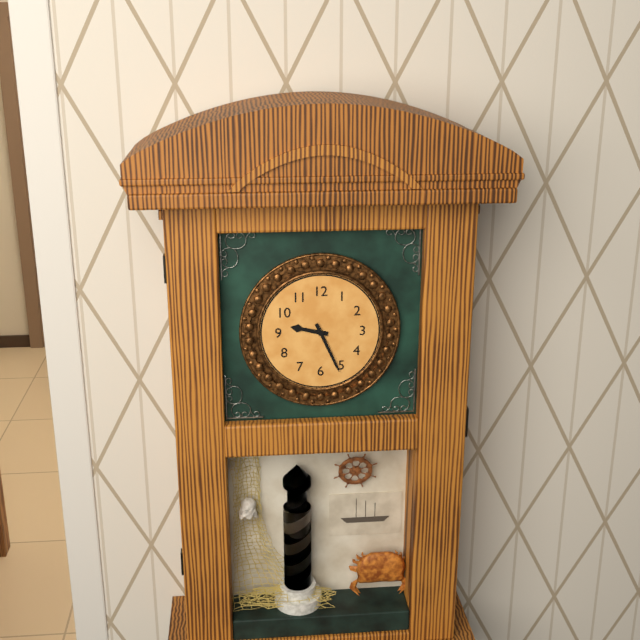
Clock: 9:26
